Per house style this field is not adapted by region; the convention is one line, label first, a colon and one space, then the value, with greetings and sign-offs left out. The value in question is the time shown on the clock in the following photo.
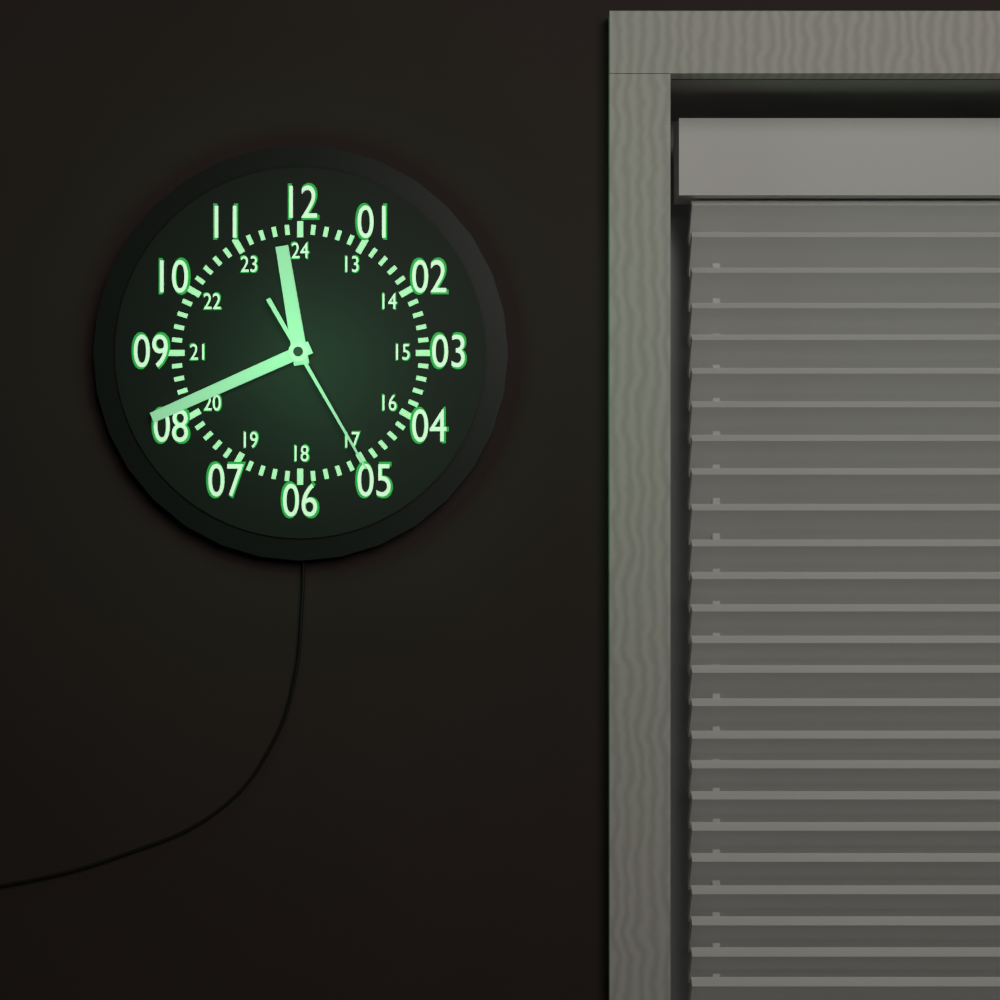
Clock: 11:41:25
